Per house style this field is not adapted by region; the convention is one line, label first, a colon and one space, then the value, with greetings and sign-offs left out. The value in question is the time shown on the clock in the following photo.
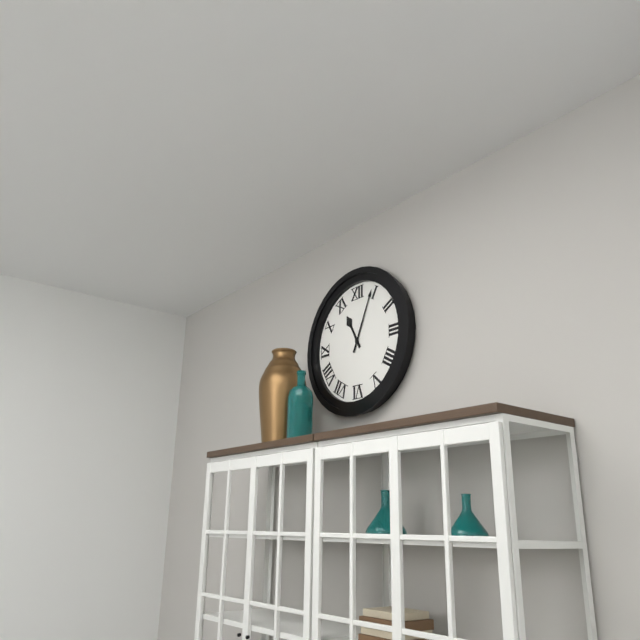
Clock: 11:04
